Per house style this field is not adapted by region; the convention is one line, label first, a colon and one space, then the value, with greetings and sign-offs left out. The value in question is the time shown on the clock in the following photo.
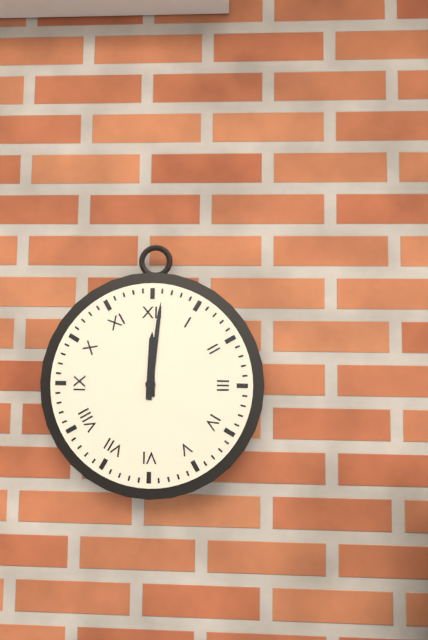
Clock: 12:01
